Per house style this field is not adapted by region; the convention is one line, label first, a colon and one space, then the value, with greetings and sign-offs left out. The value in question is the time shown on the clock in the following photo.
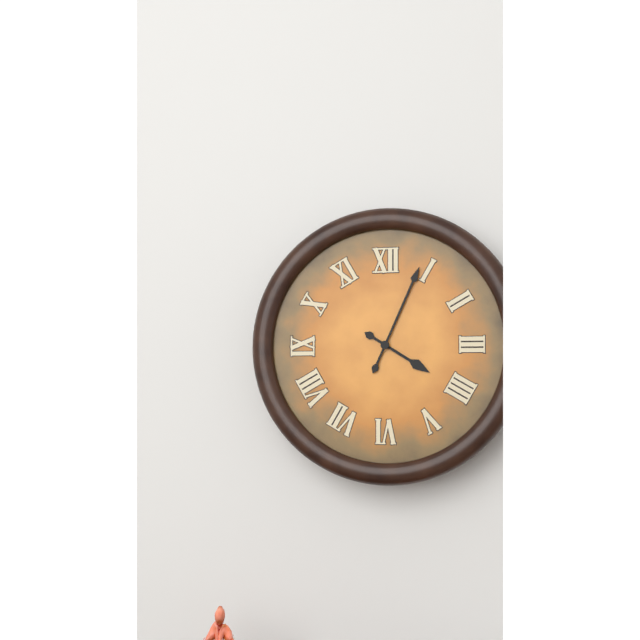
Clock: 4:04
